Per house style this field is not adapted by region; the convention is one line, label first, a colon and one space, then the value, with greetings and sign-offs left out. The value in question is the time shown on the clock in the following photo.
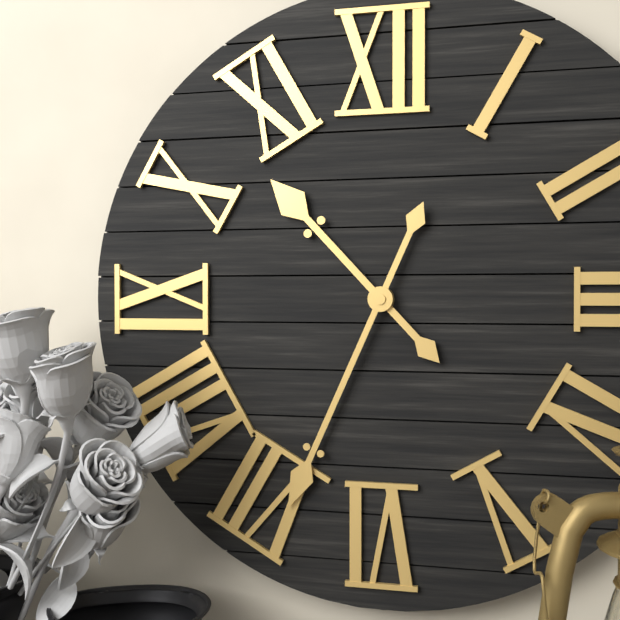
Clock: 10:34
